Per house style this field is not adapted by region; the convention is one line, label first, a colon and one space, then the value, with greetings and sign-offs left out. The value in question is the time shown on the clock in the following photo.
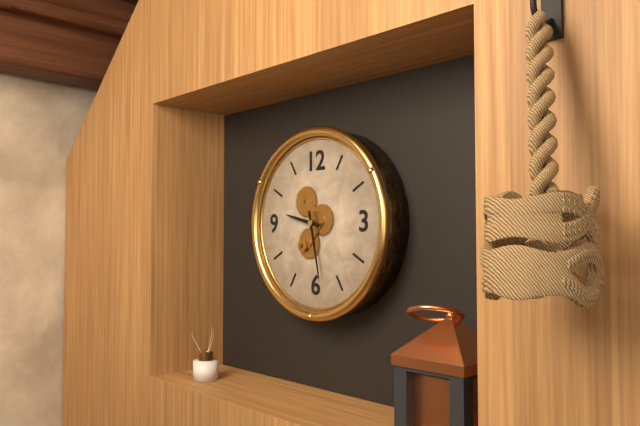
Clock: 9:28
